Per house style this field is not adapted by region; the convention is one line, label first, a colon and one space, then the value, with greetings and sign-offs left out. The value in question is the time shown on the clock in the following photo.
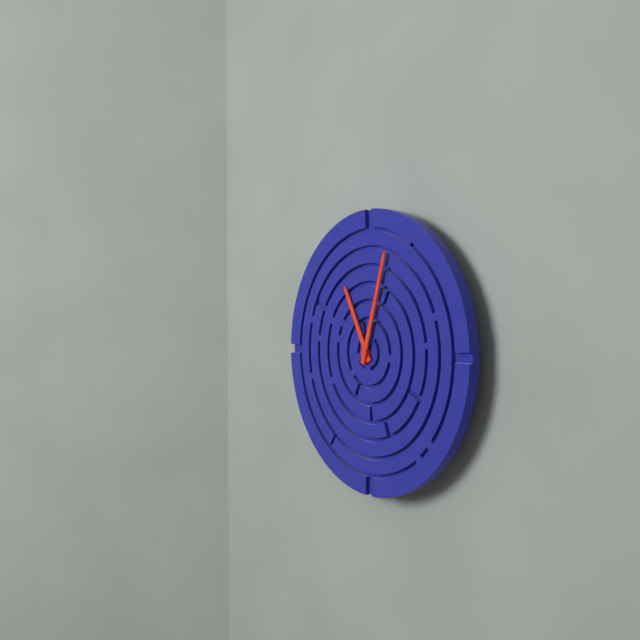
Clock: 11:03
